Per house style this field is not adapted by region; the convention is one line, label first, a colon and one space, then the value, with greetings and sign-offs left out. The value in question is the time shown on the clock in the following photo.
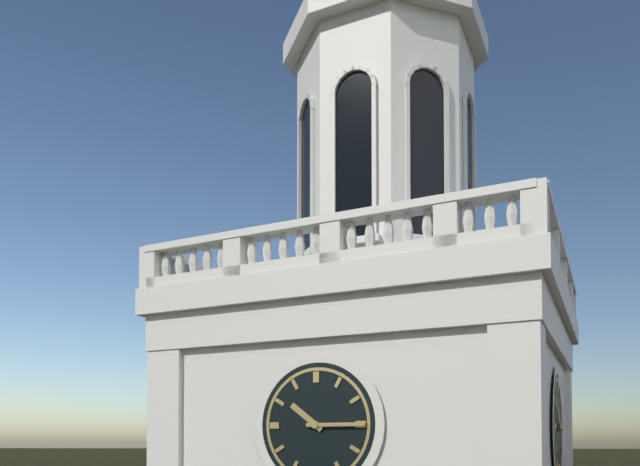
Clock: 10:15
